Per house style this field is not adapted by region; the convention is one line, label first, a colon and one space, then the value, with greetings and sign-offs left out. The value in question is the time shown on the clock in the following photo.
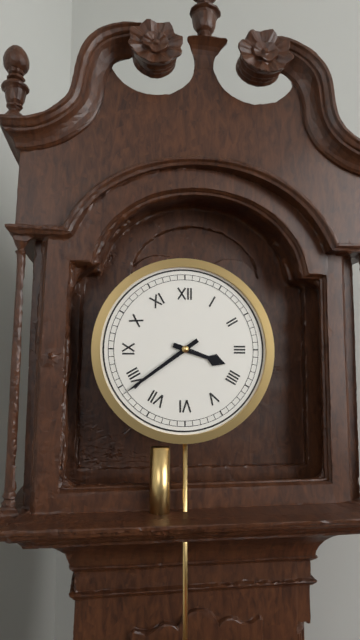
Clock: 3:39
